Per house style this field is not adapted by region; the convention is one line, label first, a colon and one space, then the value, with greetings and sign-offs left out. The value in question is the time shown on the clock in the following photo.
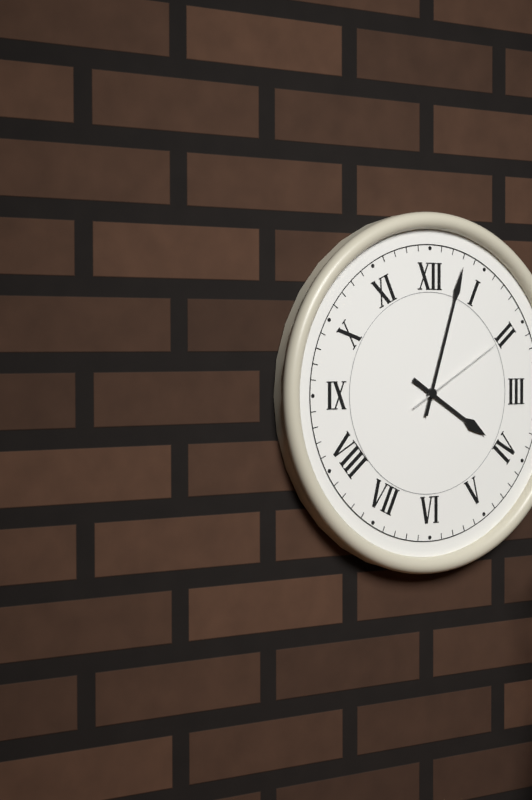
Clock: 4:03:10
